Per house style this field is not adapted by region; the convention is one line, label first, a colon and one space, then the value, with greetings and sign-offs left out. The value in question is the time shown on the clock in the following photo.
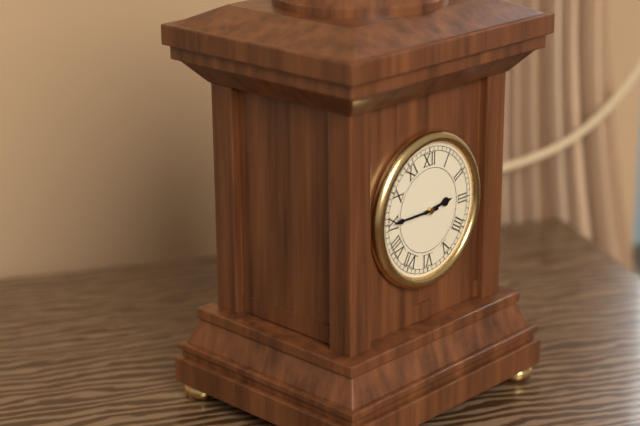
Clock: 2:45
